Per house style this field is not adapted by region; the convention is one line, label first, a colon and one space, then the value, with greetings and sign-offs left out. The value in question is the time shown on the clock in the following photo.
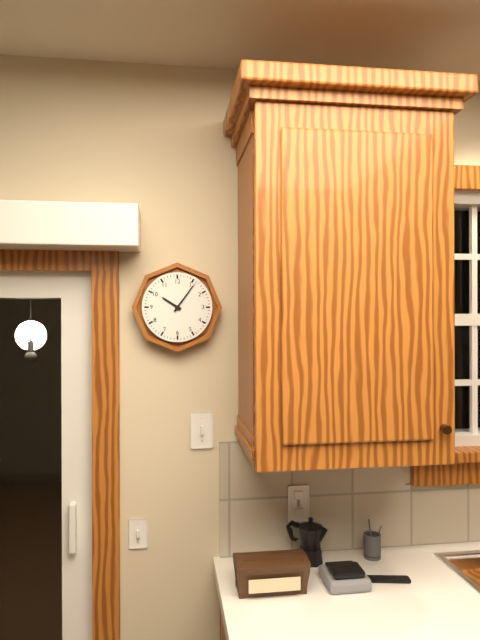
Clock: 10:06
